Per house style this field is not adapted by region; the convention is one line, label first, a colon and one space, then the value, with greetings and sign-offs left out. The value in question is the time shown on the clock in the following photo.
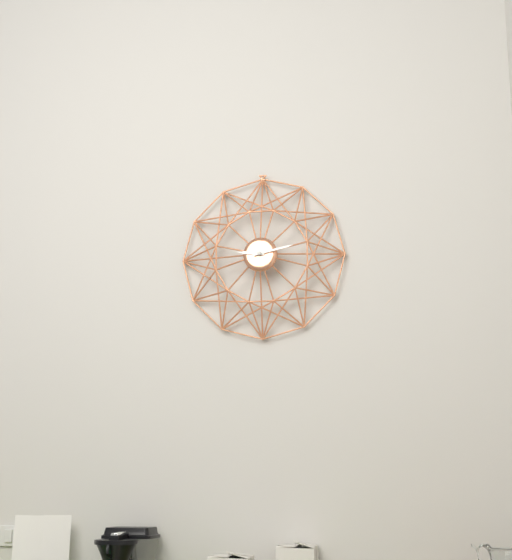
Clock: 9:13
